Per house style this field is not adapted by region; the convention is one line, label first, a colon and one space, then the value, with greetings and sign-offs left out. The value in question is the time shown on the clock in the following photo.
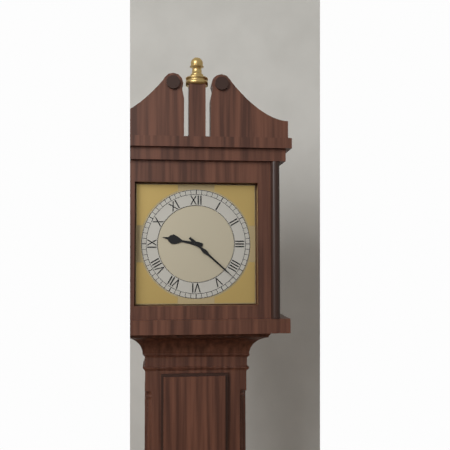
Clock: 9:22
